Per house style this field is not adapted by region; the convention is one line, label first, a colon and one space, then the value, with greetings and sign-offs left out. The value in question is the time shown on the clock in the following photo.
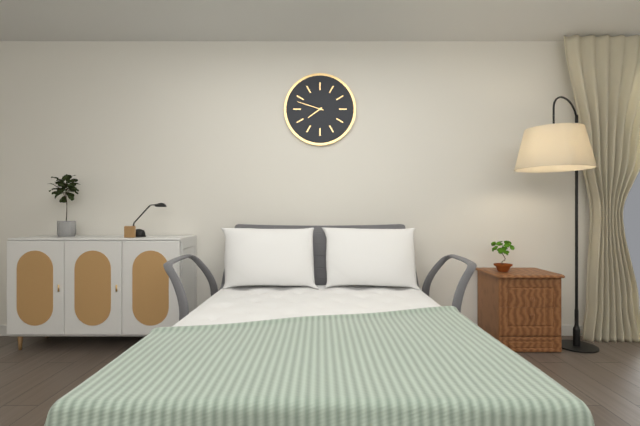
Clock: 7:48
